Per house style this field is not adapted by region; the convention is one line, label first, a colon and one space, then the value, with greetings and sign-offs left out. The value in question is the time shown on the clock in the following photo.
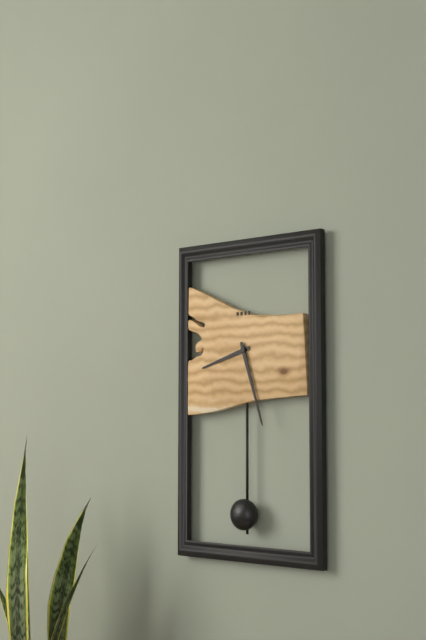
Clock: 8:27
